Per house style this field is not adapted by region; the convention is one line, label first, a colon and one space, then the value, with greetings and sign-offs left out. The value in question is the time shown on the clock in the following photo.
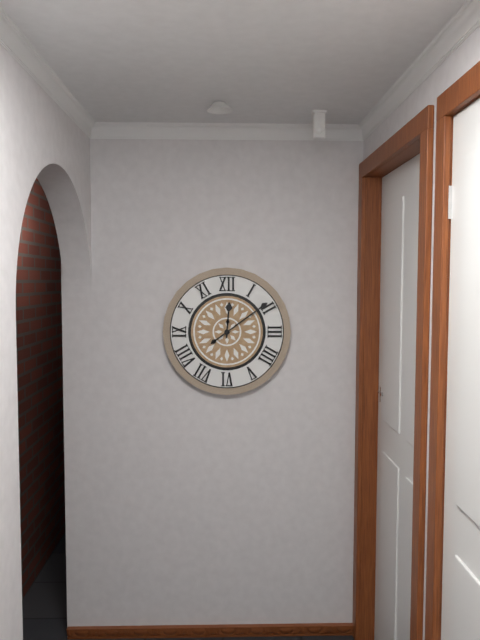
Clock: 12:09
